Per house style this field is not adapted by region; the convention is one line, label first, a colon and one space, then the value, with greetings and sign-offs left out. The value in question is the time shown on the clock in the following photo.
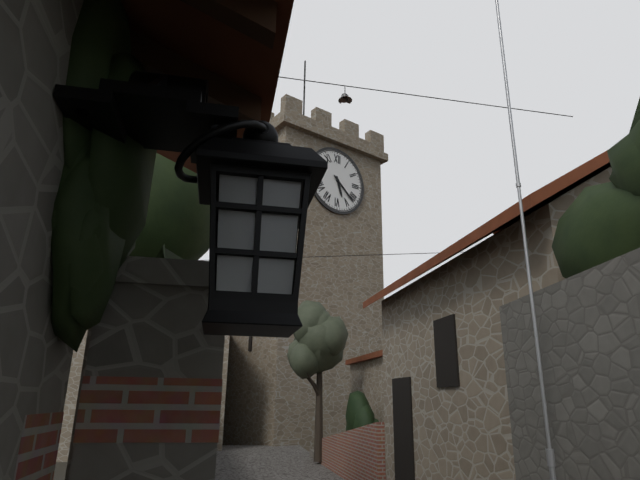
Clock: 5:22
